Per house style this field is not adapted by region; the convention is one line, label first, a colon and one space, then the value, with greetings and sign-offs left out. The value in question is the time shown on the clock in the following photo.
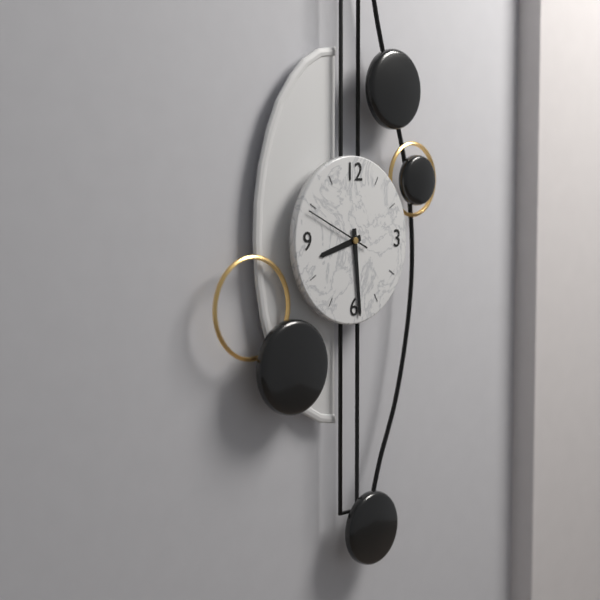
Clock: 8:29:49
